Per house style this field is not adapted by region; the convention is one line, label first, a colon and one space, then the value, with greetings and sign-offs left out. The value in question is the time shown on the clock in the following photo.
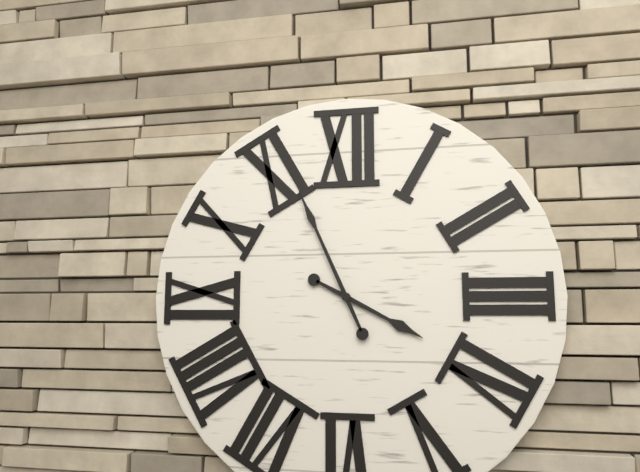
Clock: 3:56
